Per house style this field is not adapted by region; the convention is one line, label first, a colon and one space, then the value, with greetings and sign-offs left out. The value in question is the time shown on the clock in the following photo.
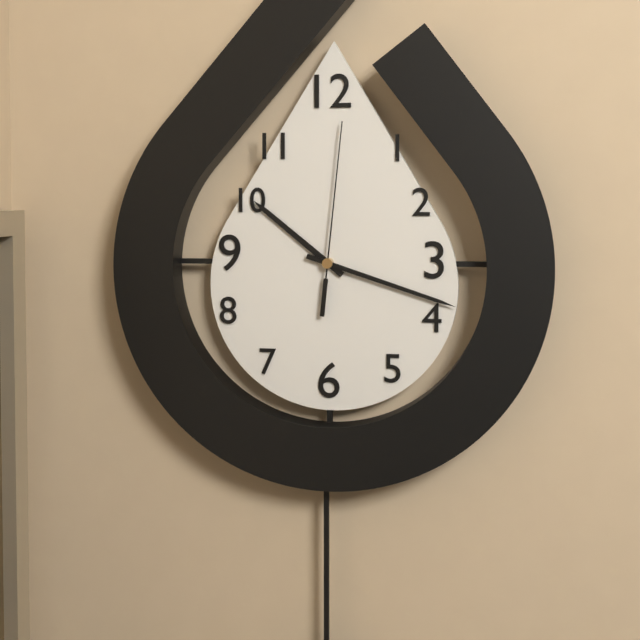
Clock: 10:18:01
